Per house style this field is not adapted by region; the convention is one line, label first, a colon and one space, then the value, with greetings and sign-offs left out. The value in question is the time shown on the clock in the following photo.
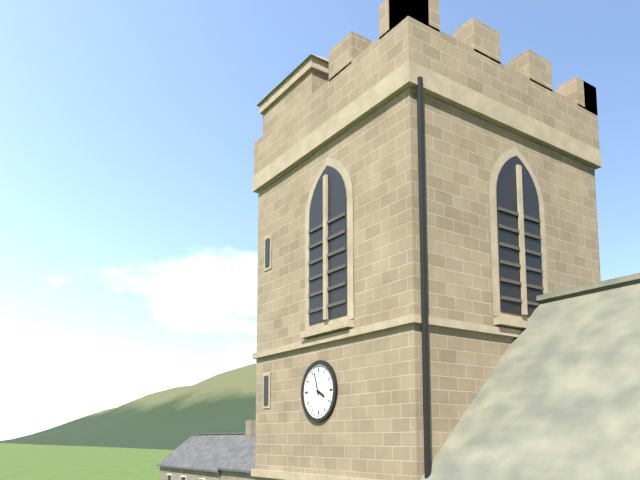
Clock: 3:57
